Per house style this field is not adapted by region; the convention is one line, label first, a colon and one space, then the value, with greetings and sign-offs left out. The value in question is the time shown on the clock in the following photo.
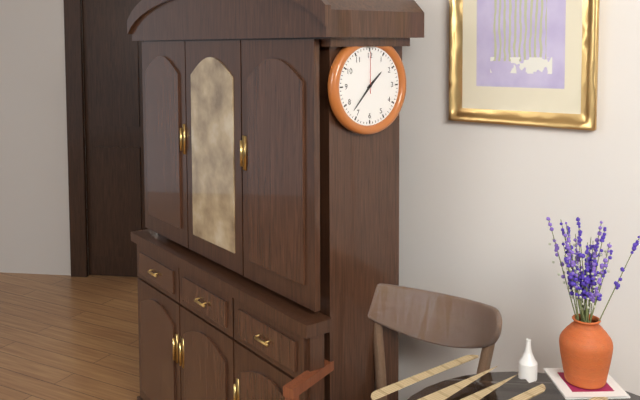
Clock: 1:37
